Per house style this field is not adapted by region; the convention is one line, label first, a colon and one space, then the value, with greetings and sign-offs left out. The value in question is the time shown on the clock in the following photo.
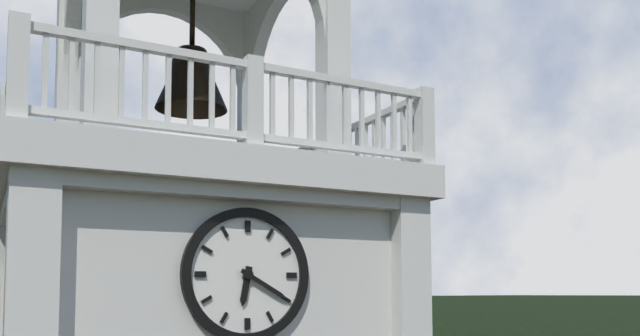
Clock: 6:20
